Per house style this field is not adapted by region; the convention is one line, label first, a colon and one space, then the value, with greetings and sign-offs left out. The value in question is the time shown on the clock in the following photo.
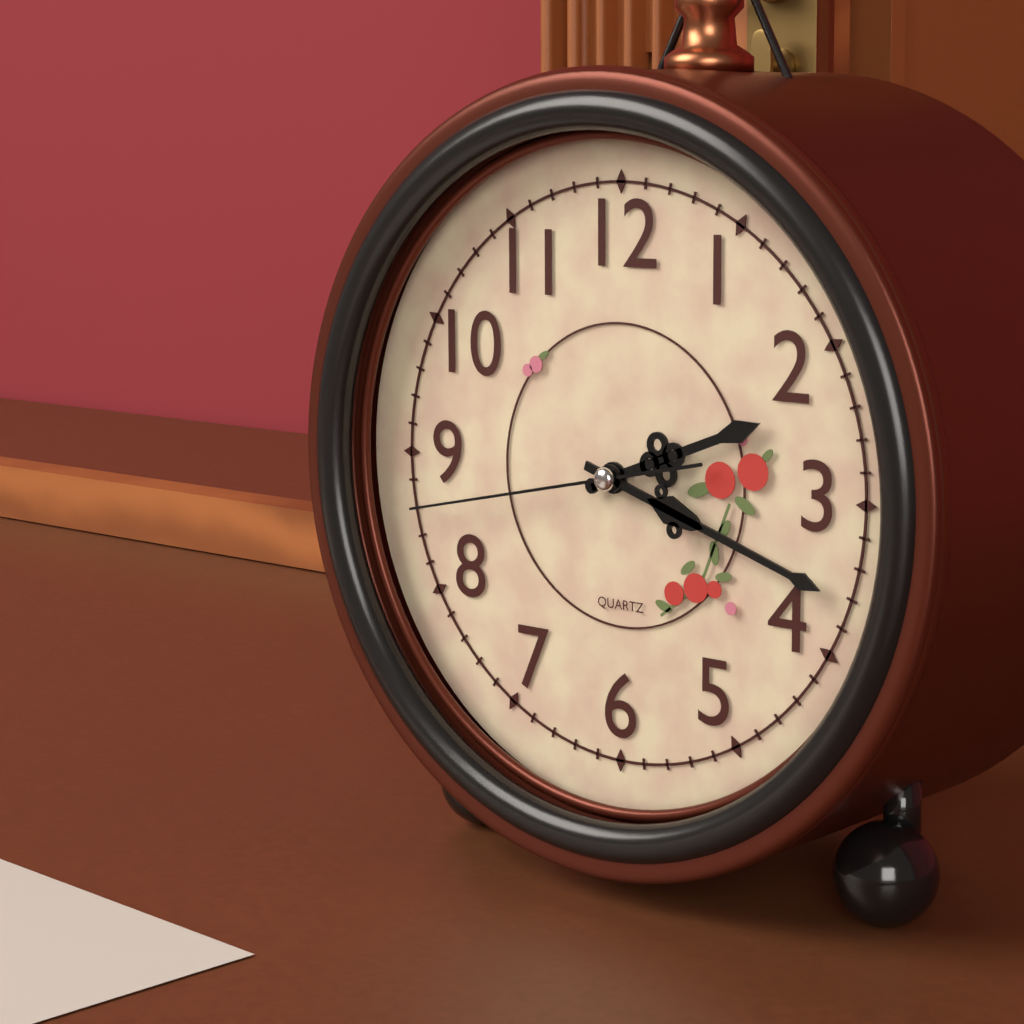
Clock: 2:18:43
